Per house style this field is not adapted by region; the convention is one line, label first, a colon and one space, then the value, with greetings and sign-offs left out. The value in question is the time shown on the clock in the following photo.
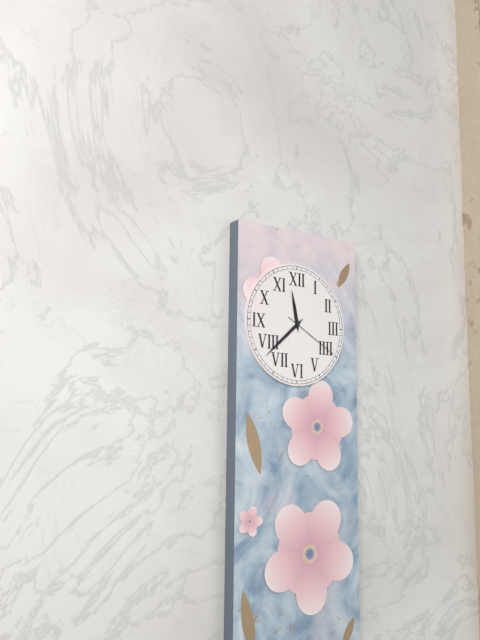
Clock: 11:38:20
